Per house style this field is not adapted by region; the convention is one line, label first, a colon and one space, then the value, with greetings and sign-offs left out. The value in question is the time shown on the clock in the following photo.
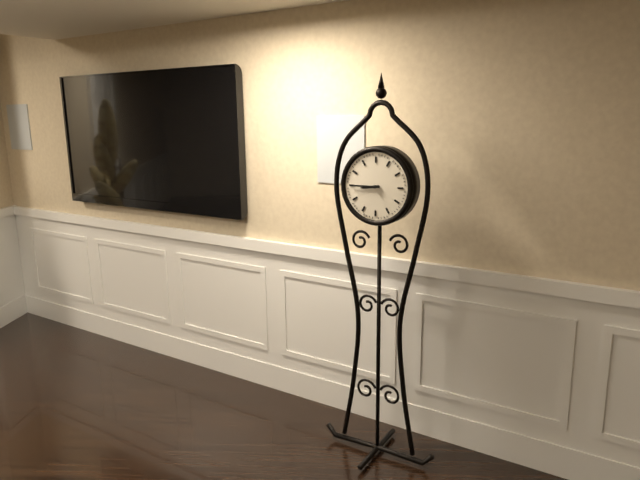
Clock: 8:45
